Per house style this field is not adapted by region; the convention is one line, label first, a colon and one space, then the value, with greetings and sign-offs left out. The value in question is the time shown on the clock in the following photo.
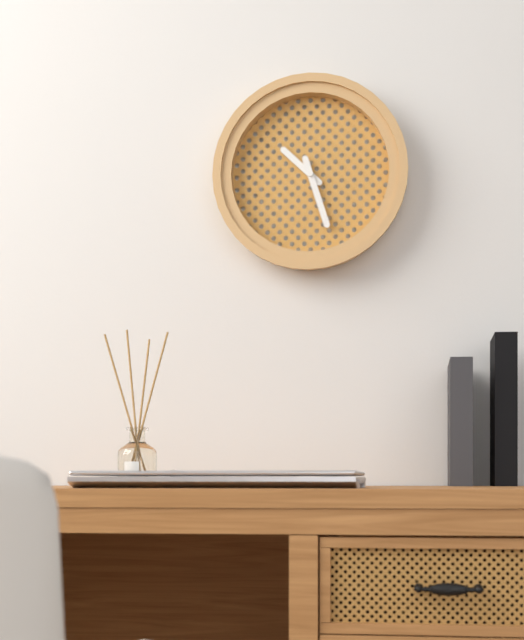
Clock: 10:27
